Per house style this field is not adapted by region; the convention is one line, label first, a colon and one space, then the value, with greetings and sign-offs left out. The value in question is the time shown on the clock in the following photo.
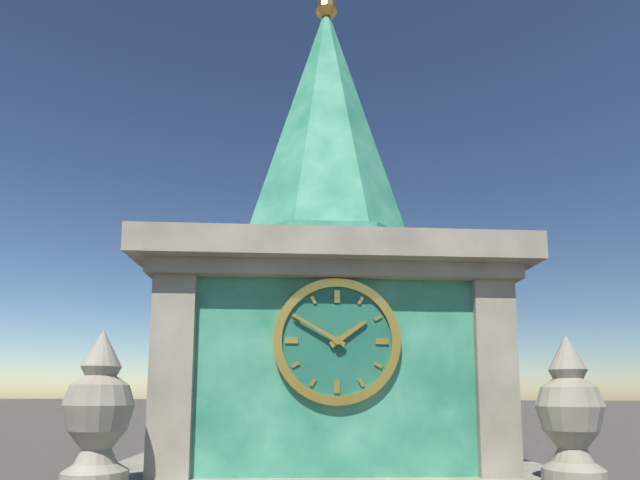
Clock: 1:50
